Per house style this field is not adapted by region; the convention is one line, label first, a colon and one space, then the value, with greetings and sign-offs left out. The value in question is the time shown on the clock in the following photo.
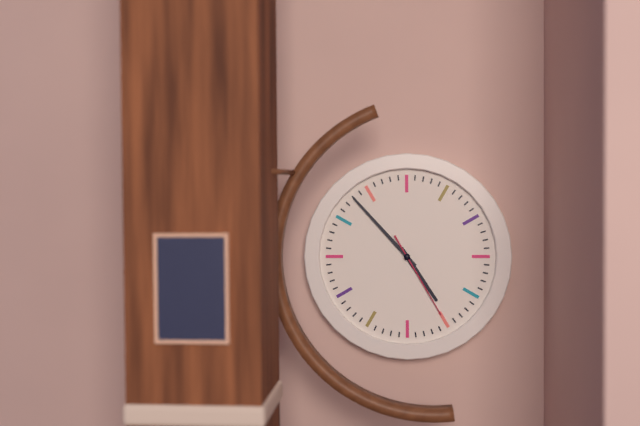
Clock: 4:53:25
